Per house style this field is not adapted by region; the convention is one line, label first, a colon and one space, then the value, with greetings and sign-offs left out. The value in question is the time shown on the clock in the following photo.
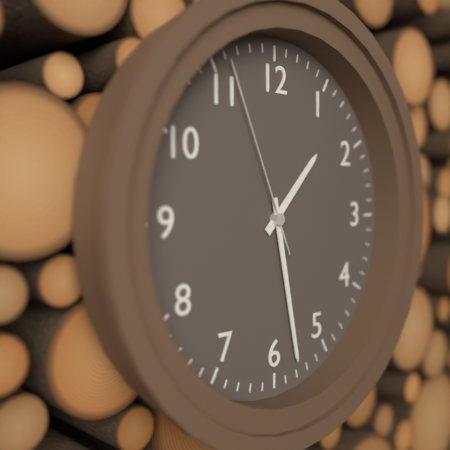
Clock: 1:28:56
